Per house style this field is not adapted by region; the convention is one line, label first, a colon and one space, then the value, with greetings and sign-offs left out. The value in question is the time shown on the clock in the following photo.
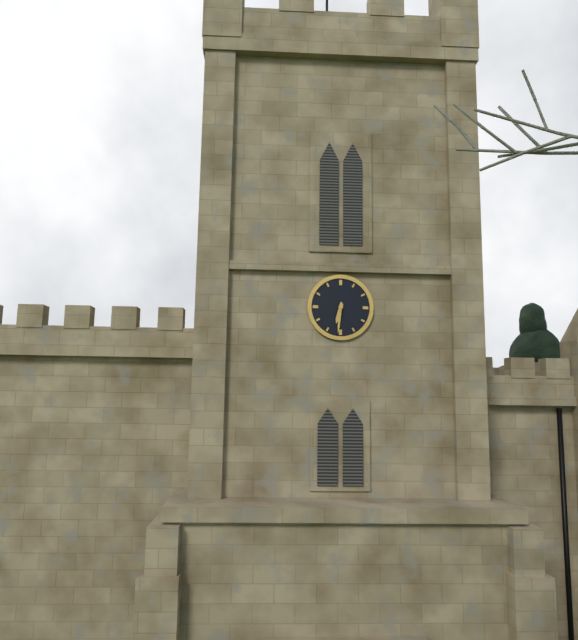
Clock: 6:31
